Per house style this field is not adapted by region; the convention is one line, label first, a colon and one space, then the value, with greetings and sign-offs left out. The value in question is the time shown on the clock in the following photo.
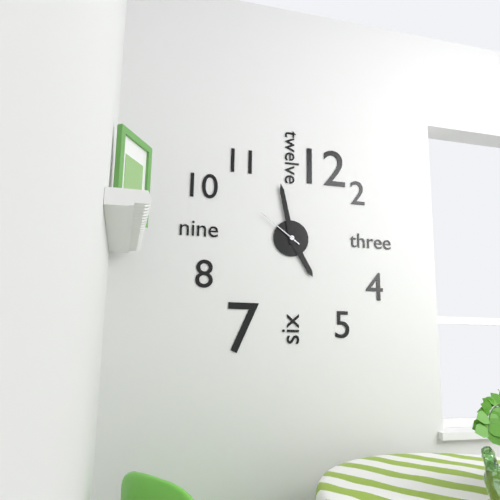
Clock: 4:58:51
